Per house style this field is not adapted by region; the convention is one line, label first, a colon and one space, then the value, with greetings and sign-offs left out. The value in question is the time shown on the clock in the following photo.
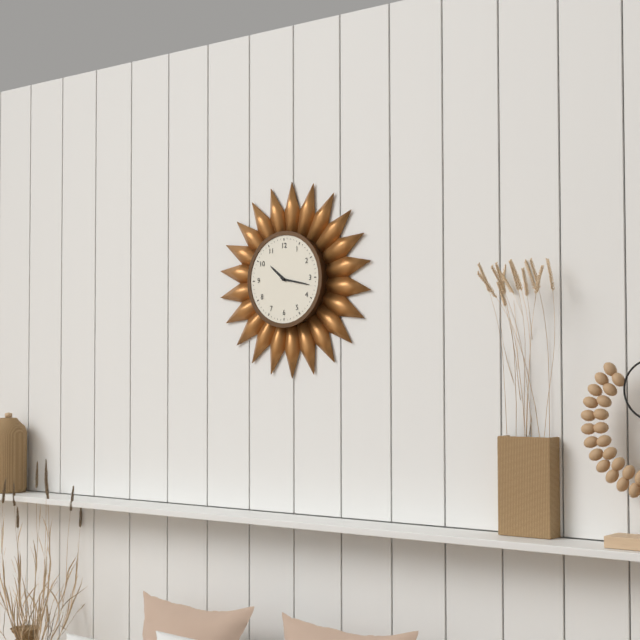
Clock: 10:17
